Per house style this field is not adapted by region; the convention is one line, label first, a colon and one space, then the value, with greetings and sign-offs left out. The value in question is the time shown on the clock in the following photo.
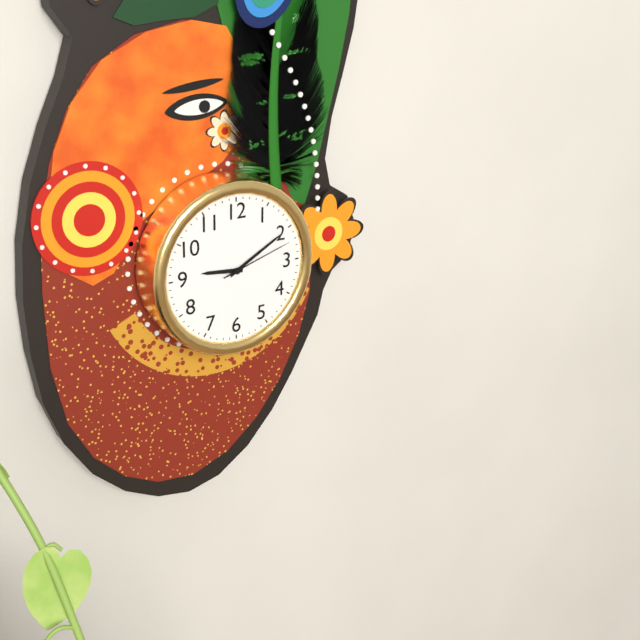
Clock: 9:10:12
